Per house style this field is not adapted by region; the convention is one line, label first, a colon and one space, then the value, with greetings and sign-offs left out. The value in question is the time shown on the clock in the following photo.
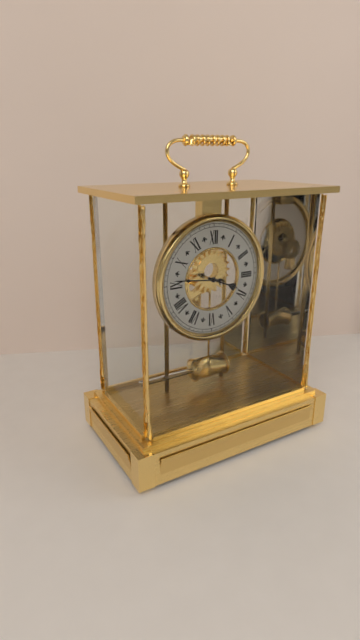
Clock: 3:46
